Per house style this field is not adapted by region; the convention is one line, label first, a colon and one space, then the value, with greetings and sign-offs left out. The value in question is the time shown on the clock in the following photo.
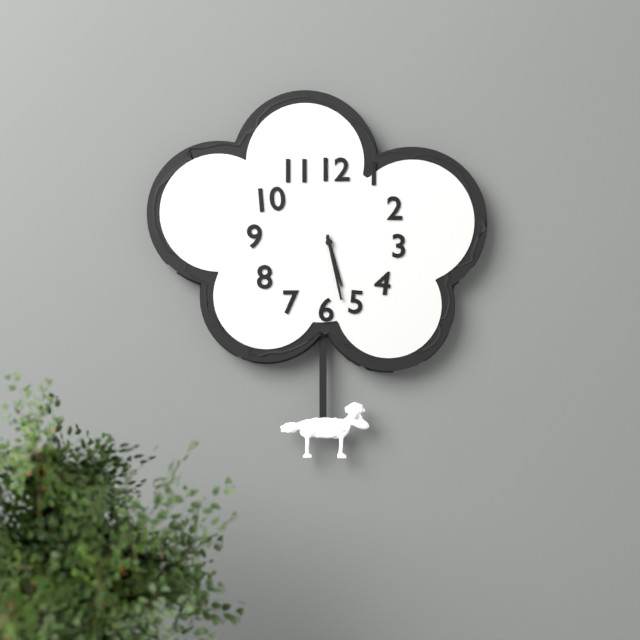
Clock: 5:28
